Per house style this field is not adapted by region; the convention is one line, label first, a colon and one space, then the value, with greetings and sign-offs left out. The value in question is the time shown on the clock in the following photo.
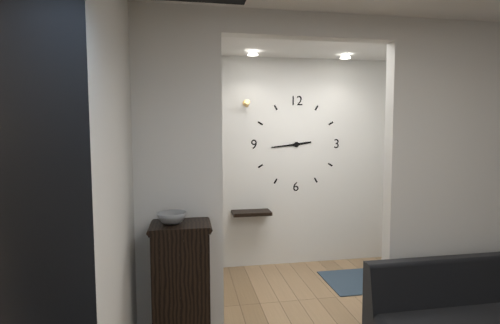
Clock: 2:44
